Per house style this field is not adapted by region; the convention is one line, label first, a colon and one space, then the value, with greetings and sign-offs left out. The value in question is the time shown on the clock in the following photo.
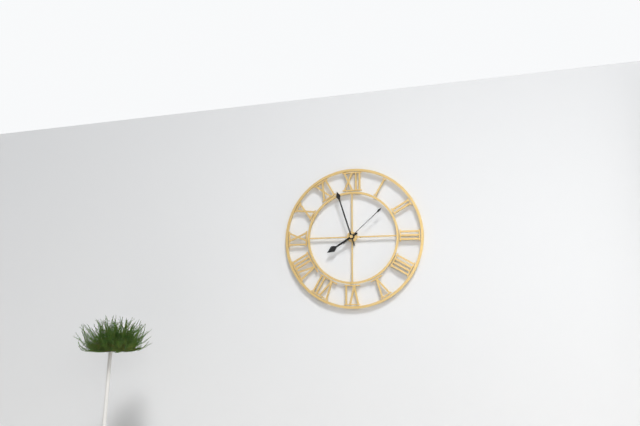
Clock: 7:57:08
